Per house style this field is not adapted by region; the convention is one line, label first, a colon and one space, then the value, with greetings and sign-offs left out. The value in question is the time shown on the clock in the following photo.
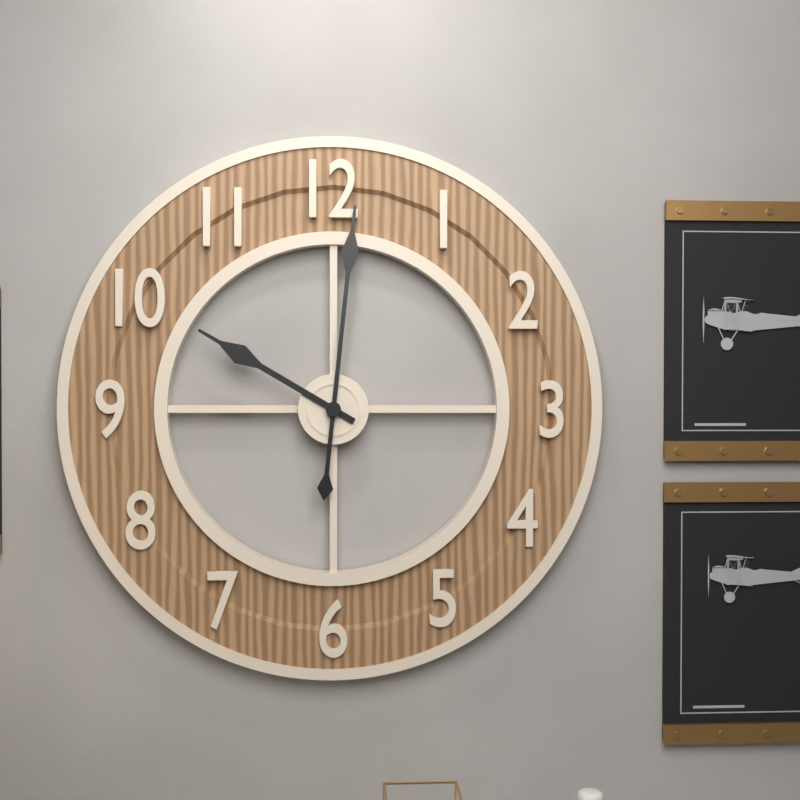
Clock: 10:01
